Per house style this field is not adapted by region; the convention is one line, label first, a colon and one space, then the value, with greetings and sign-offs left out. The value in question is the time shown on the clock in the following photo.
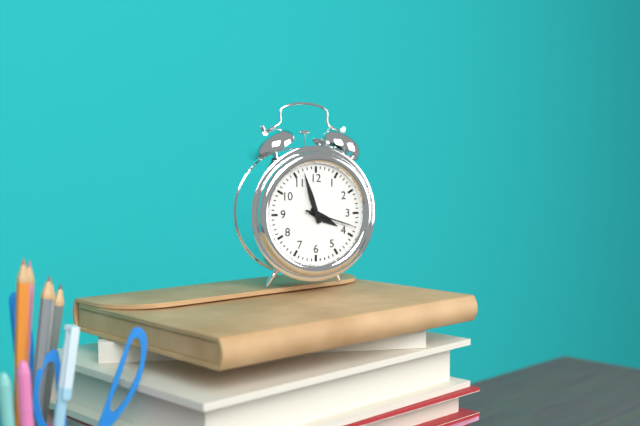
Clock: 3:57:18
